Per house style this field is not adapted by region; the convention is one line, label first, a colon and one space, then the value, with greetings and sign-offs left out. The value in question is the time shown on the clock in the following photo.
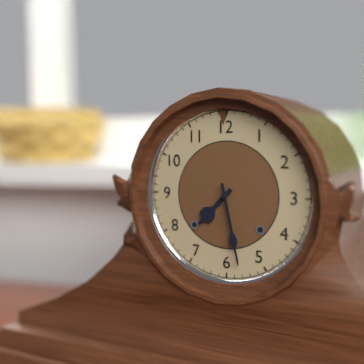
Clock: 7:28
